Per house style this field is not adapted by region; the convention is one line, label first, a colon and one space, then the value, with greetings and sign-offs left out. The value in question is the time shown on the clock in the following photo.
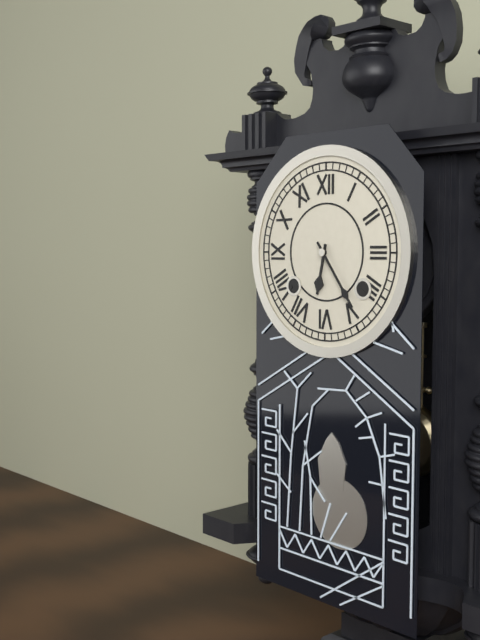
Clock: 6:24
